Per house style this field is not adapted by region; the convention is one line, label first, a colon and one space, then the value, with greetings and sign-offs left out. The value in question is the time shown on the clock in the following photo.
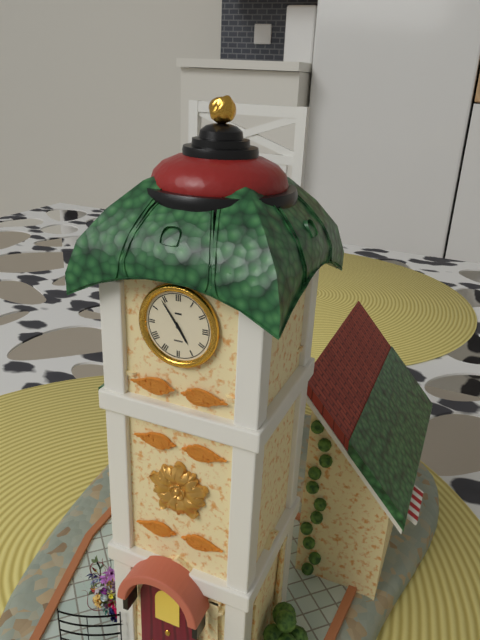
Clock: 4:54
